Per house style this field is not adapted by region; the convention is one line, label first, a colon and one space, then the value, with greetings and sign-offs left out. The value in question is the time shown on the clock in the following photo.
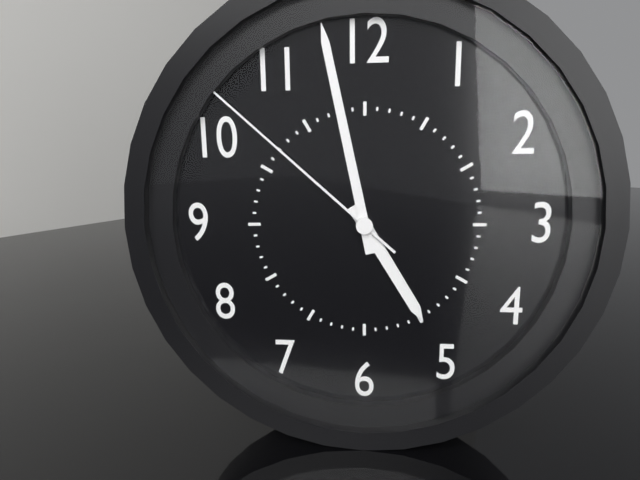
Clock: 4:58:52
